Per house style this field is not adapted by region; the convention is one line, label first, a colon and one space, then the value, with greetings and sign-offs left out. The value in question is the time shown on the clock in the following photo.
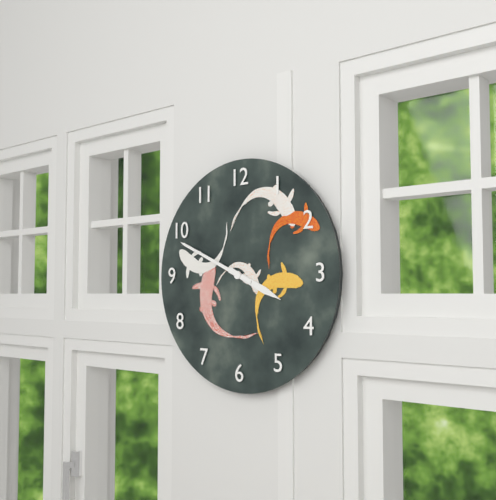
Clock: 3:49
